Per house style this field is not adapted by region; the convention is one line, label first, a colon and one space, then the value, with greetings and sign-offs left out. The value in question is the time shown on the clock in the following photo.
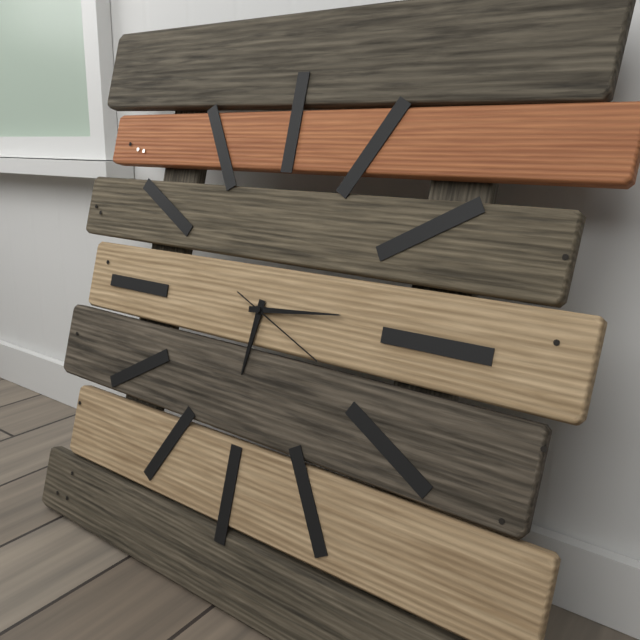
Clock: 6:14:19
